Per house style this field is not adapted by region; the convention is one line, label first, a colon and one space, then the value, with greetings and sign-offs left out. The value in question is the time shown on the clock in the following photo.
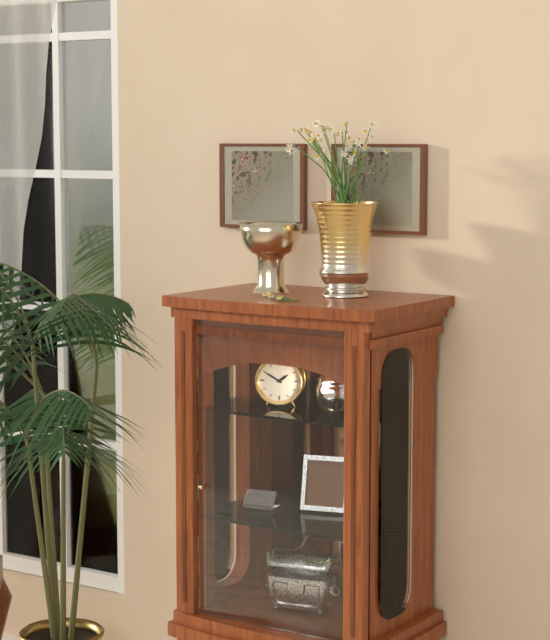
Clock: 1:50
